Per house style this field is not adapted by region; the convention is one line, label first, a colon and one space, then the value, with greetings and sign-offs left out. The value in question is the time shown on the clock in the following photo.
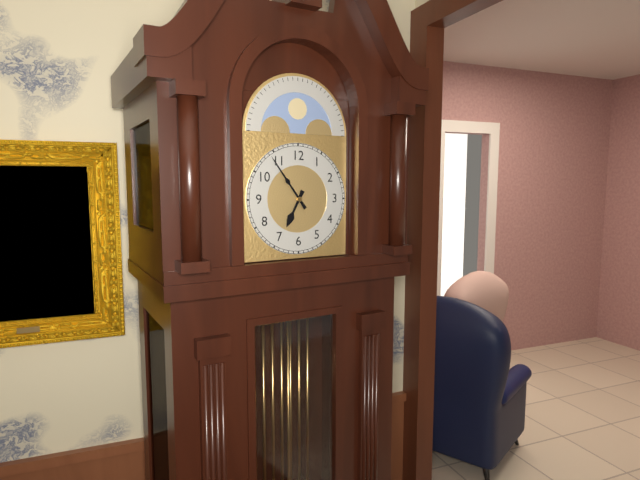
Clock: 6:54
